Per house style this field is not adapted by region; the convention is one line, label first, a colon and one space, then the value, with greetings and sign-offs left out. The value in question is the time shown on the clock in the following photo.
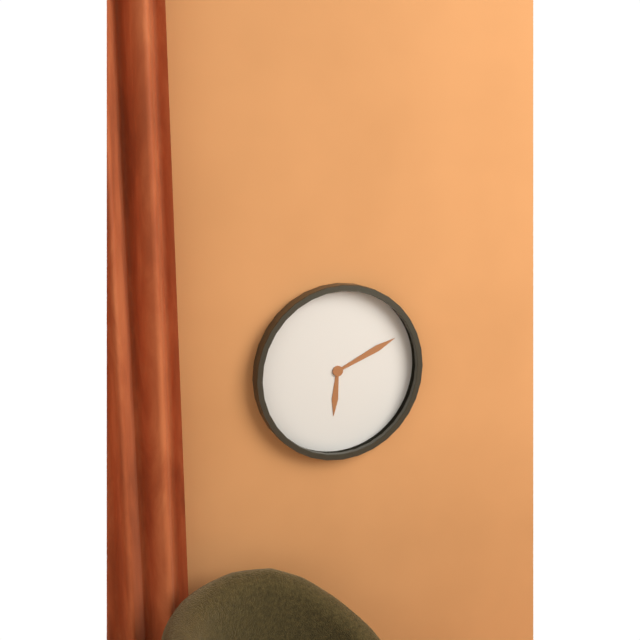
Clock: 6:11
